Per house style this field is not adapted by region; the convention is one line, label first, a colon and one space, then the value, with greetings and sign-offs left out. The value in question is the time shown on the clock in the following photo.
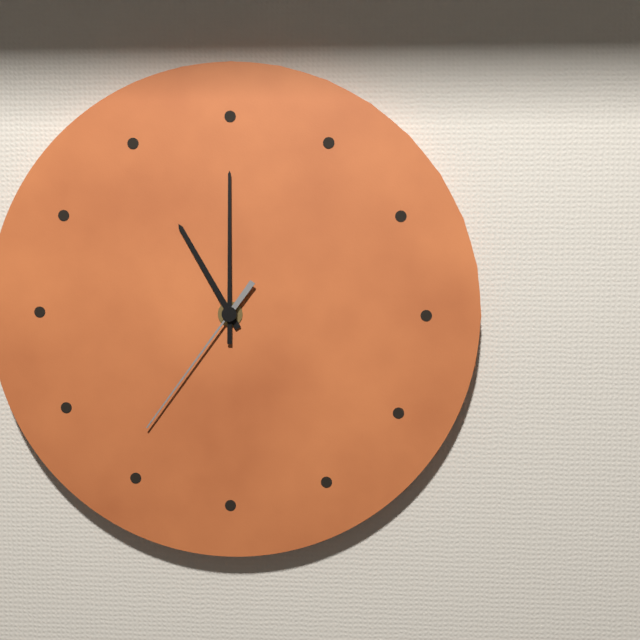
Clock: 11:00:36
